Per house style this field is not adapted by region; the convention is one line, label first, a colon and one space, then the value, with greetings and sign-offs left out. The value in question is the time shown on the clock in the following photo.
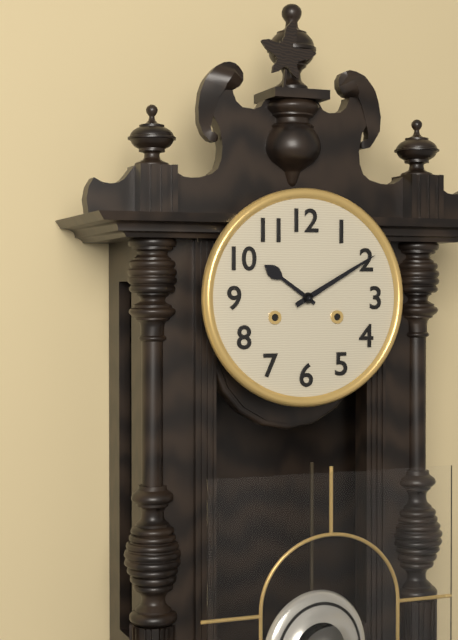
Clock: 10:10
